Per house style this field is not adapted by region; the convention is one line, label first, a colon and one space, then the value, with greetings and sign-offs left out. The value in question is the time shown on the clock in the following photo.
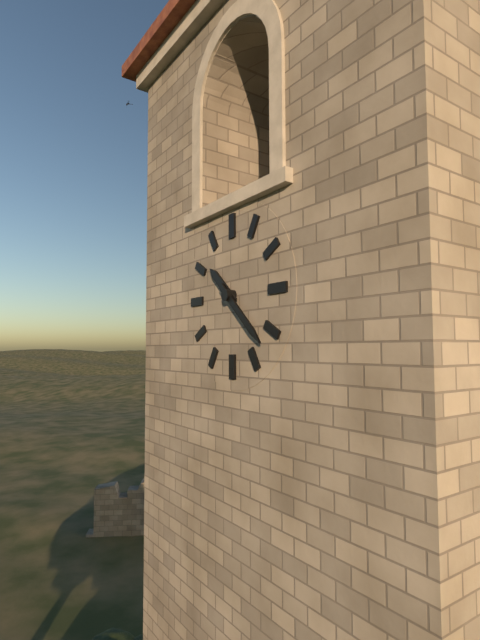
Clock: 10:22
